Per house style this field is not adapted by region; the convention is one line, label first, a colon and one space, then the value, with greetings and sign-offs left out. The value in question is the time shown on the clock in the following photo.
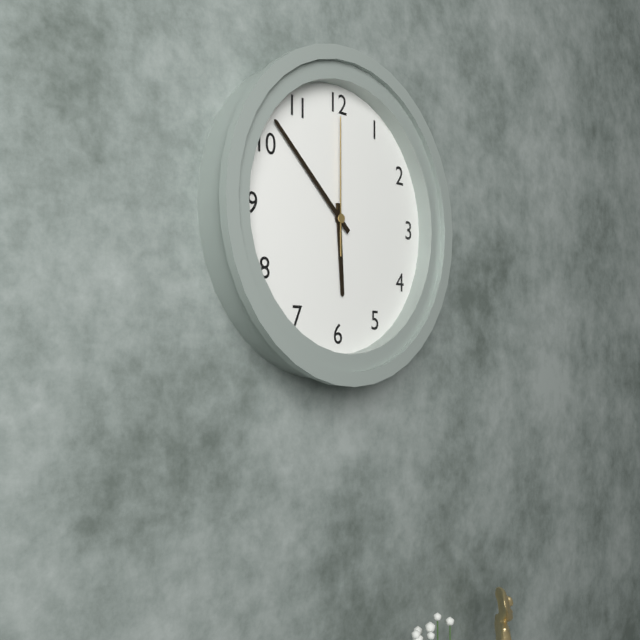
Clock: 5:52:00
